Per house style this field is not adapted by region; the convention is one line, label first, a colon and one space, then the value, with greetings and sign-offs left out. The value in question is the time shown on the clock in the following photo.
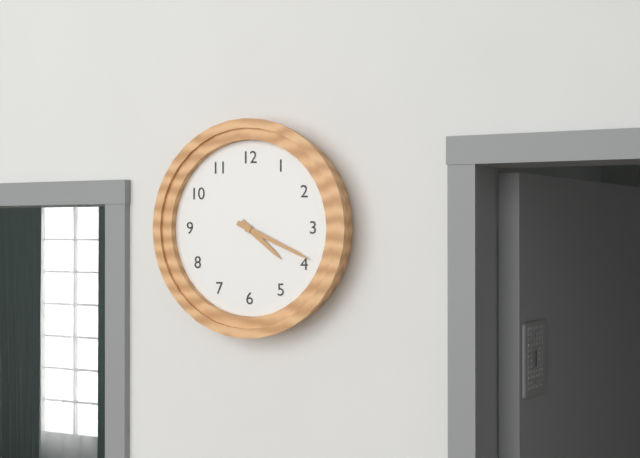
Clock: 4:19
